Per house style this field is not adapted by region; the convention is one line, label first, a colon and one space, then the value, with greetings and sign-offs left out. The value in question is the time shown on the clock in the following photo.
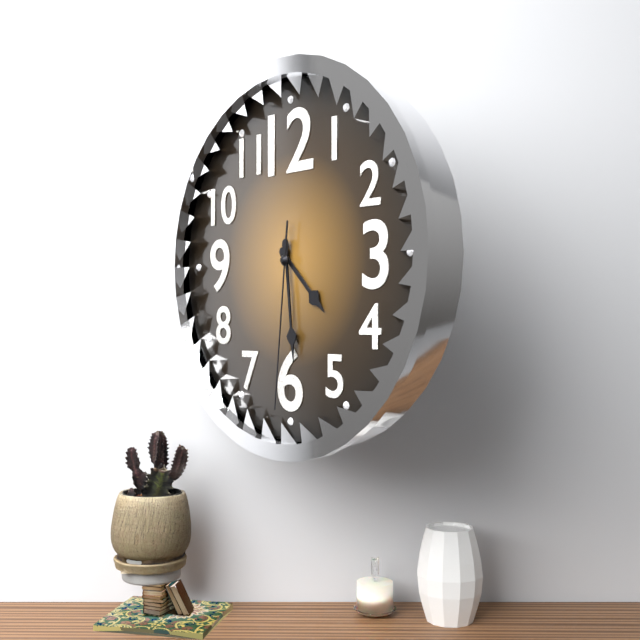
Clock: 4:29:31
